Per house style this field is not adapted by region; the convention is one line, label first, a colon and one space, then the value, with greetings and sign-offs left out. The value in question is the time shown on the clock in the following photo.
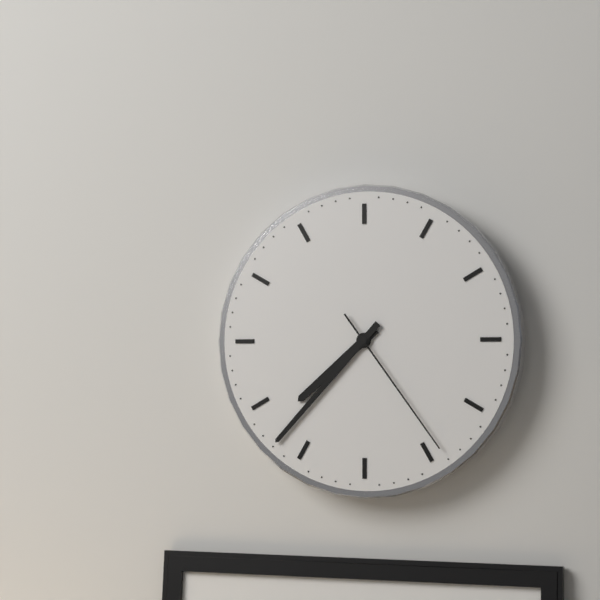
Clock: 7:37:24
